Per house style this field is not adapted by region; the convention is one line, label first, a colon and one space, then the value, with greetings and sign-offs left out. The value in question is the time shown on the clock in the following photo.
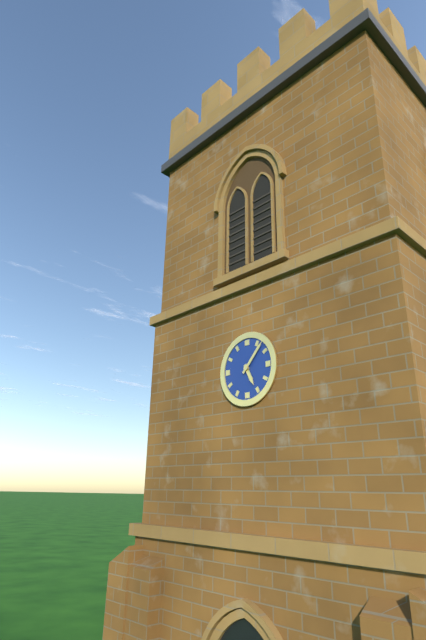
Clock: 5:07
